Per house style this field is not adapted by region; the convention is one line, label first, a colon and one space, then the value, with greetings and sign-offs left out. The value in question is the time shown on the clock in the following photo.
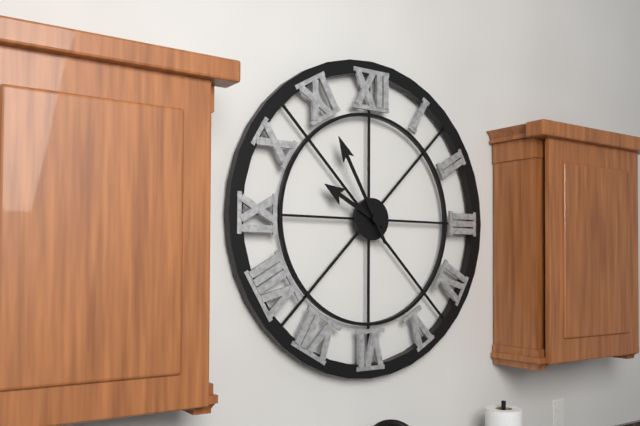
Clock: 9:55
